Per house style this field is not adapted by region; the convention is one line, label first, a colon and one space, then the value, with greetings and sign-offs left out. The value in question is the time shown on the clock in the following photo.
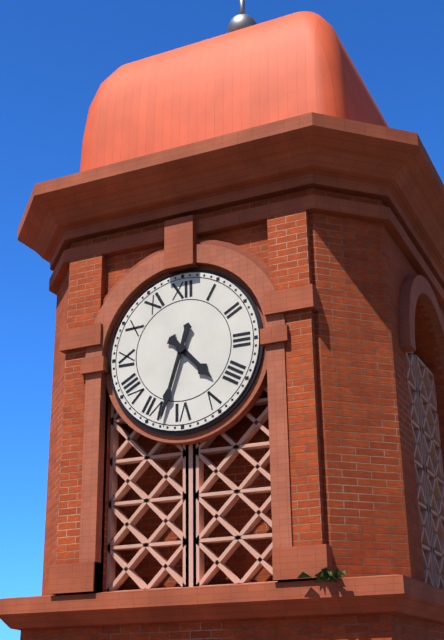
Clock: 4:33
